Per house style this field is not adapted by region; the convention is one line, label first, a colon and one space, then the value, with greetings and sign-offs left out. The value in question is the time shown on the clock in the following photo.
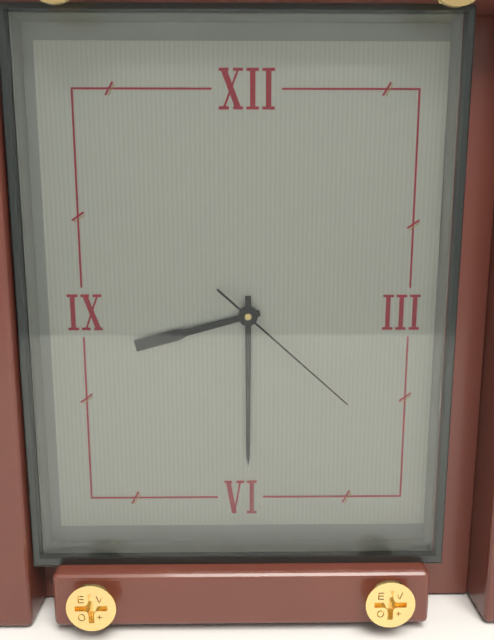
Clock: 8:30:22
